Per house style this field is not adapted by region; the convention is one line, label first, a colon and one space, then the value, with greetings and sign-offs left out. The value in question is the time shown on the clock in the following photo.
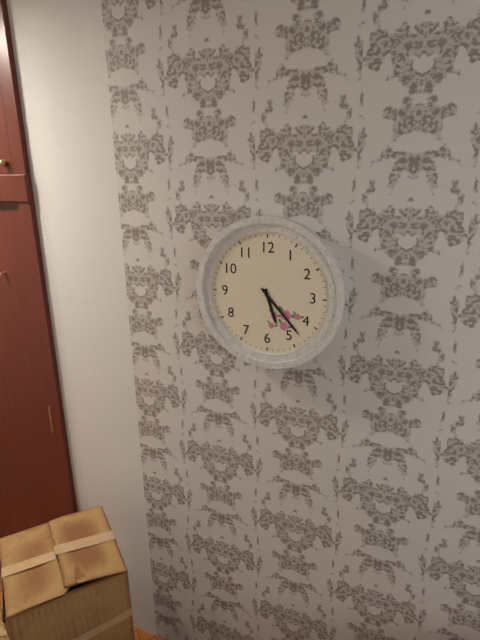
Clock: 5:23
